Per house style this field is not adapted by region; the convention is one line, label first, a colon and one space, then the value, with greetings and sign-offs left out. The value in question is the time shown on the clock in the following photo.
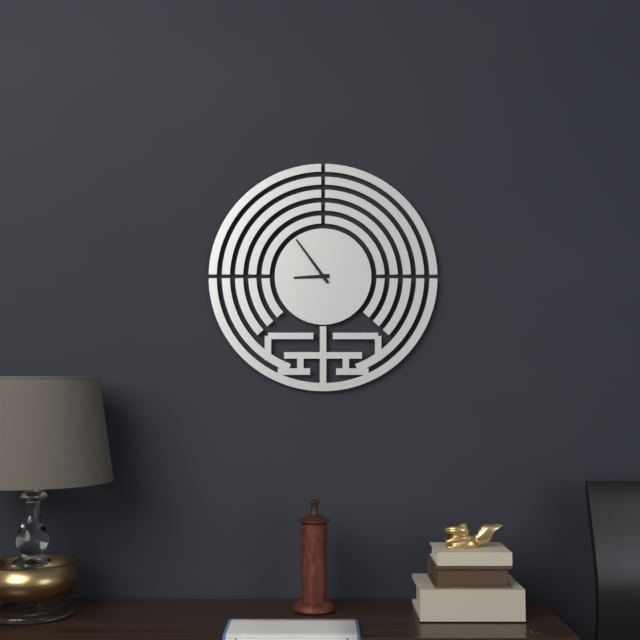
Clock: 8:54
